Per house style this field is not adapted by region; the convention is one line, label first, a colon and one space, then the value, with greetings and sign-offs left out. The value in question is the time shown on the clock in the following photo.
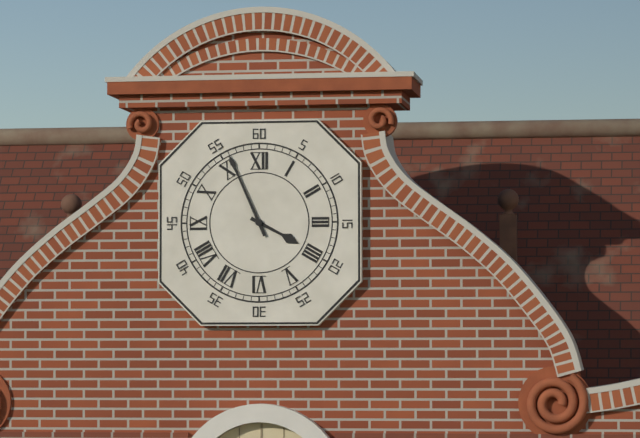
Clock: 3:56
